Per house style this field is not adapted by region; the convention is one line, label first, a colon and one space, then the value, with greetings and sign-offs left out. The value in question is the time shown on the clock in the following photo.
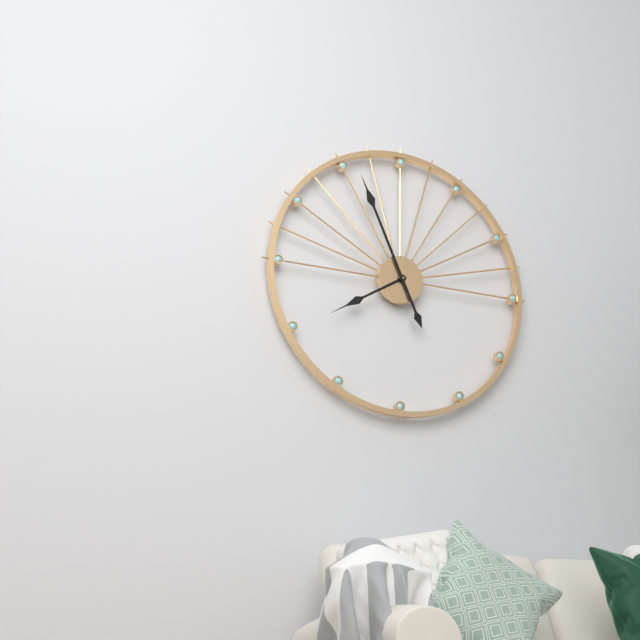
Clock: 7:56
